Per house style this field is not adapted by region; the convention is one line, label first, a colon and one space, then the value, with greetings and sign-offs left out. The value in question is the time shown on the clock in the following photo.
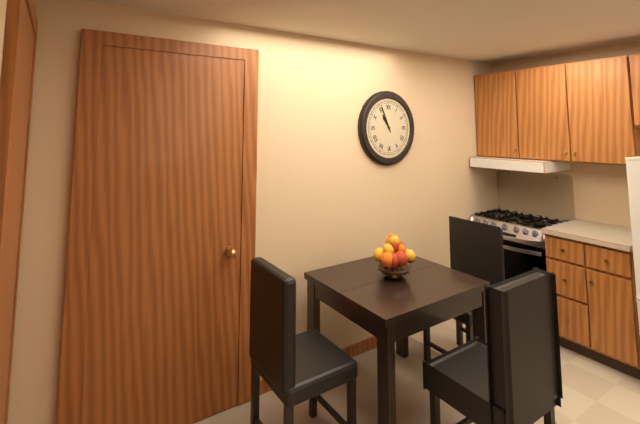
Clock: 10:56
